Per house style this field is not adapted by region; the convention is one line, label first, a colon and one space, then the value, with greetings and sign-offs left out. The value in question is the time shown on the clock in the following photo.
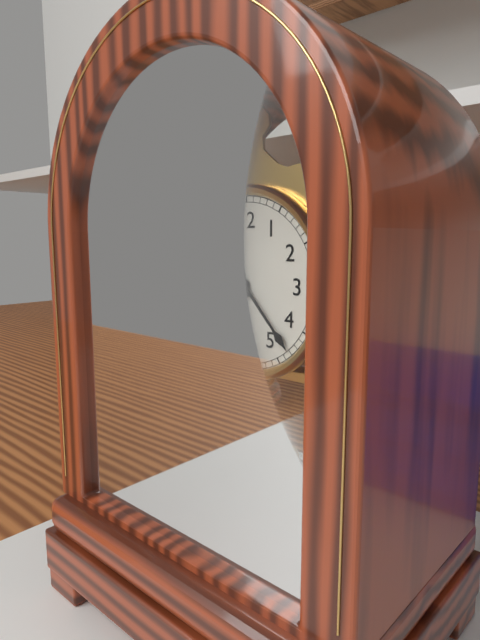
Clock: 11:23
